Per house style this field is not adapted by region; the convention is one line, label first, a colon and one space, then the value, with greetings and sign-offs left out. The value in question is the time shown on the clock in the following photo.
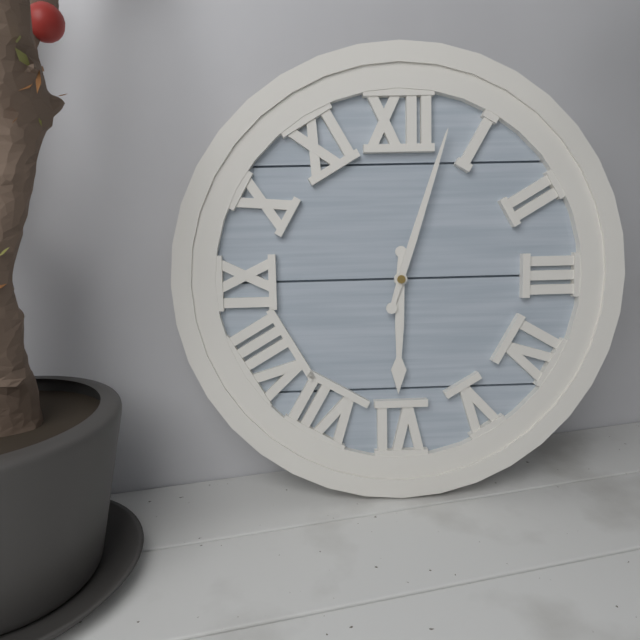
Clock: 6:03
